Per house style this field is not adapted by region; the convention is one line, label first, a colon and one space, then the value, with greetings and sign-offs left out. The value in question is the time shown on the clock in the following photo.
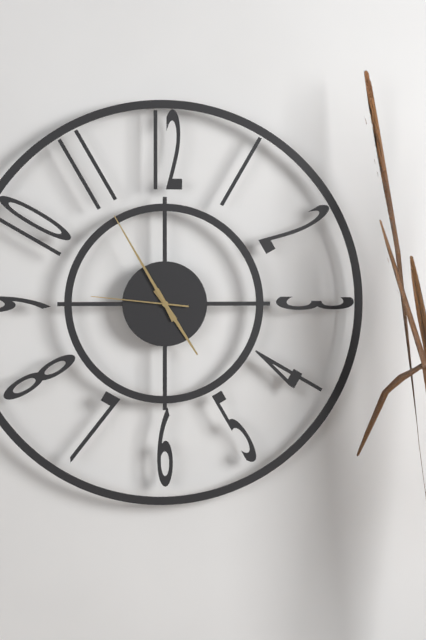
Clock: 4:55:46
